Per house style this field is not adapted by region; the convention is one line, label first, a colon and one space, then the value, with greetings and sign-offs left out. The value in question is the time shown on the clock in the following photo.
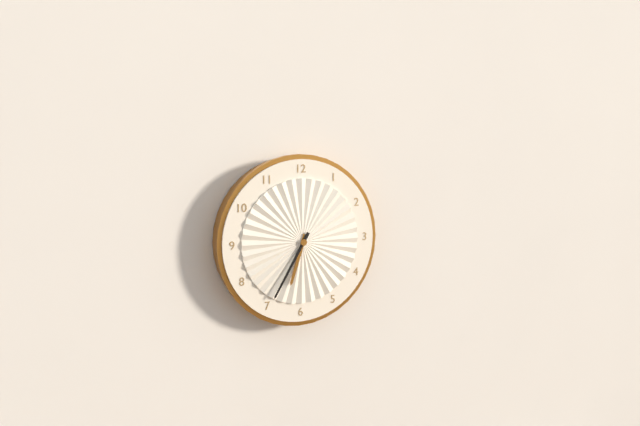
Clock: 6:35
